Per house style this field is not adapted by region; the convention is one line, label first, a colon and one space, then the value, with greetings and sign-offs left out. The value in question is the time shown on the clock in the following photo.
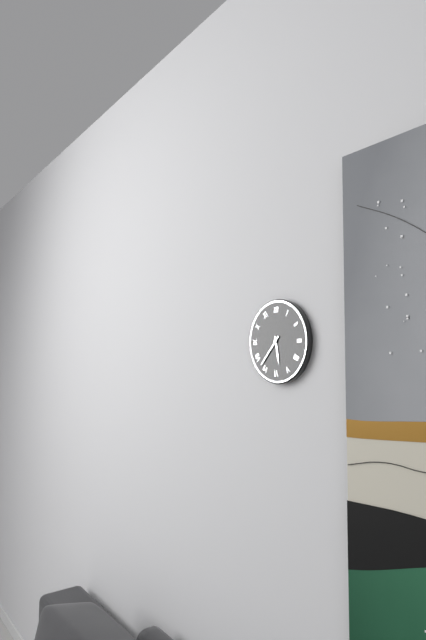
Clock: 5:37
